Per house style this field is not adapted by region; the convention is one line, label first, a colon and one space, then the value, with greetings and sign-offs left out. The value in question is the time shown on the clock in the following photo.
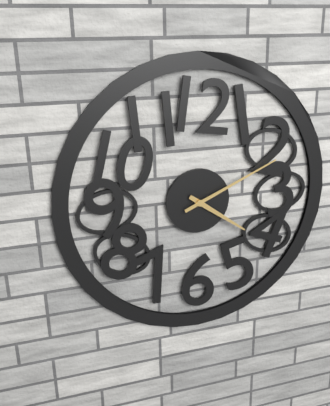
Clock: 4:11
